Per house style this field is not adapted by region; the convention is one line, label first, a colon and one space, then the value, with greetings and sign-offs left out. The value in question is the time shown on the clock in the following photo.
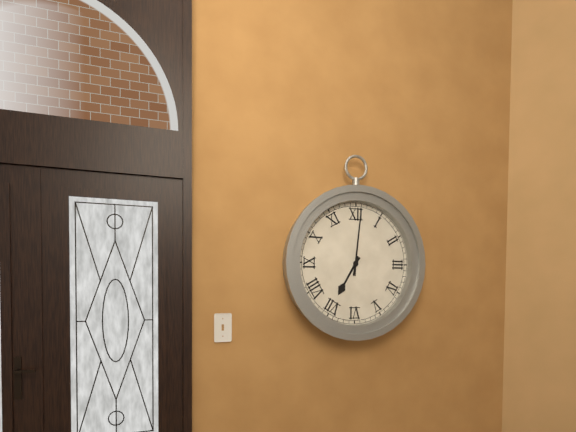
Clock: 7:01
